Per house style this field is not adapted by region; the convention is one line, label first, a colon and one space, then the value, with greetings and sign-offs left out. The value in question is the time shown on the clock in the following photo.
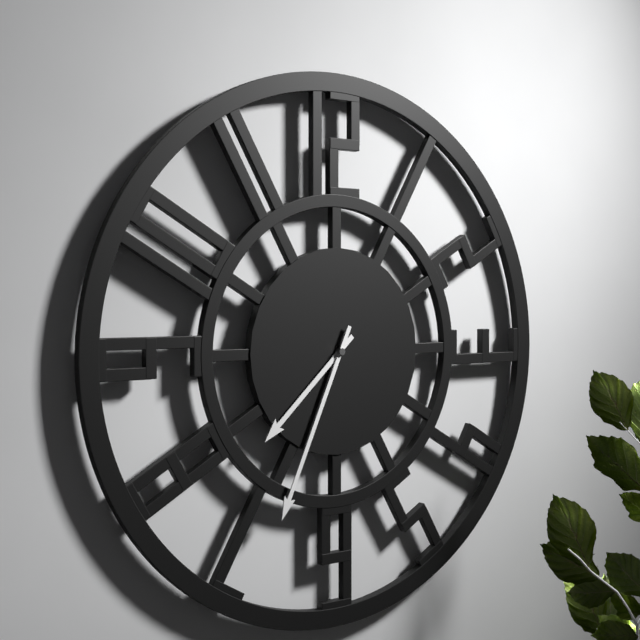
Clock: 7:34
